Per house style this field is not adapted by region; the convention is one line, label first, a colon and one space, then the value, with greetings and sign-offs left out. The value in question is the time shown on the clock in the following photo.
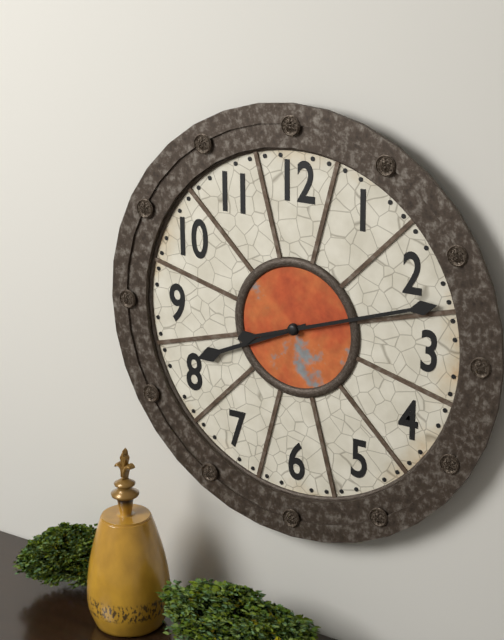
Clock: 8:12
